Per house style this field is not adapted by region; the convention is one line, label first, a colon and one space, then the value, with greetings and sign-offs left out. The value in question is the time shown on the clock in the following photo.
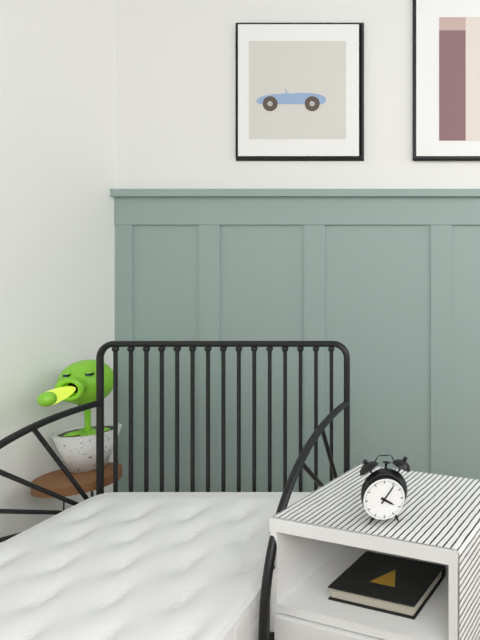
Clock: 4:06
